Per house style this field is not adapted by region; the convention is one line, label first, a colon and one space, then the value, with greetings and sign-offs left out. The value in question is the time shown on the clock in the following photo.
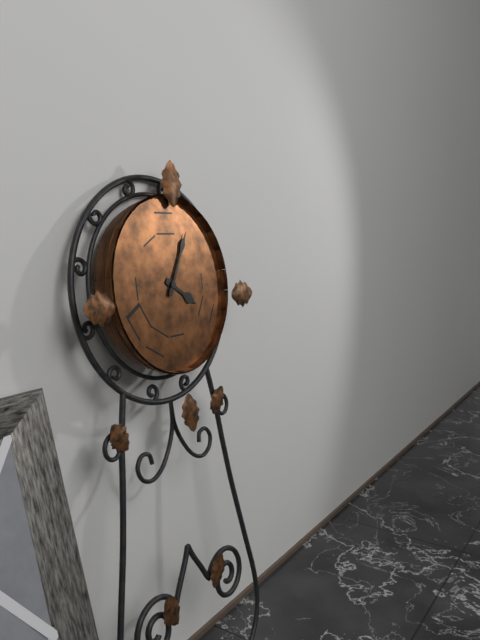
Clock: 4:05
